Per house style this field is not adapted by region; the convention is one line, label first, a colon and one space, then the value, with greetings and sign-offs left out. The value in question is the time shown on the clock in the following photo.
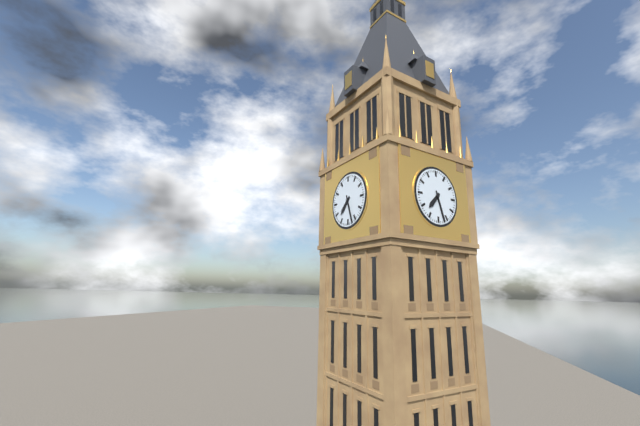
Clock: 7:27
